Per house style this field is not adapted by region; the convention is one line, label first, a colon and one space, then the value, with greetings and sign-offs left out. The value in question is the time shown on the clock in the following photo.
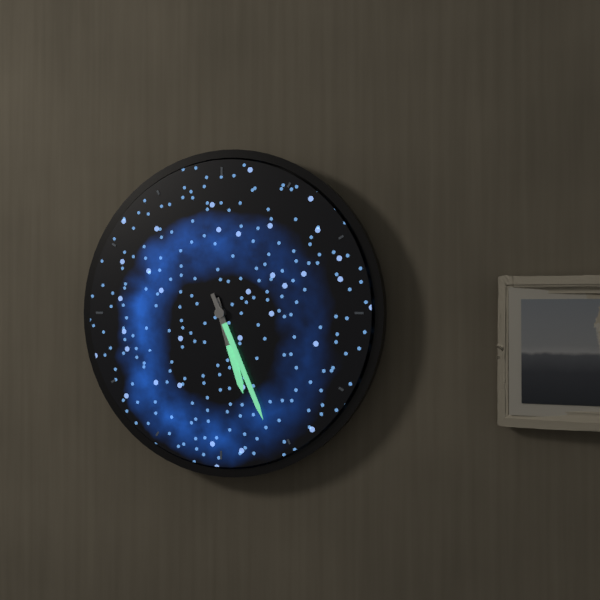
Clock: 5:26
